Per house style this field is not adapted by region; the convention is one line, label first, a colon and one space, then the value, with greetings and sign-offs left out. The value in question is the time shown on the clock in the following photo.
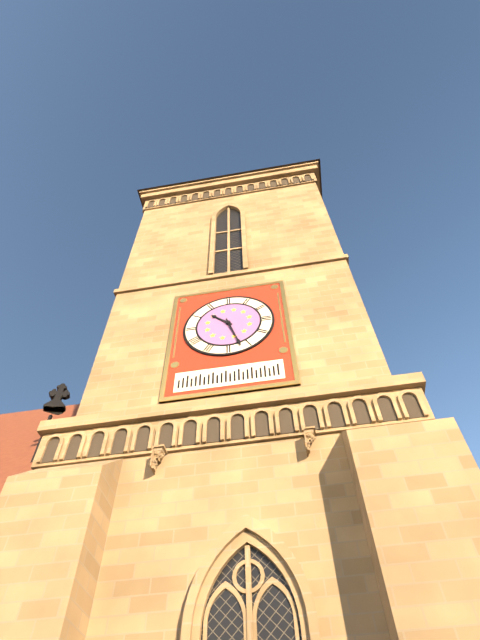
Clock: 10:27
